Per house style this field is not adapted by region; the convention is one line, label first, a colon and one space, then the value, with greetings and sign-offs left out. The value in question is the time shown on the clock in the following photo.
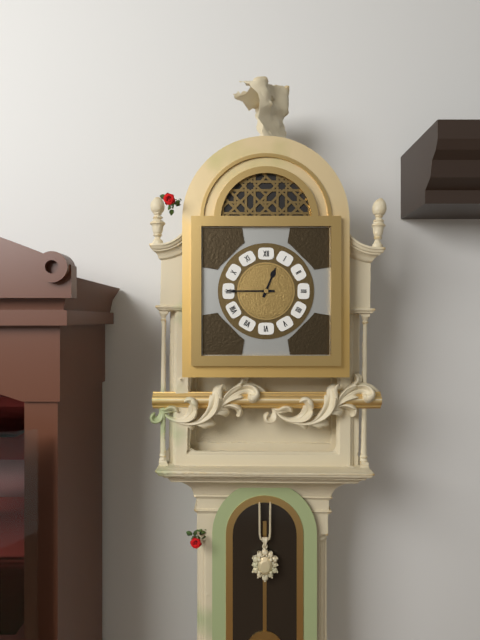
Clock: 12:45
